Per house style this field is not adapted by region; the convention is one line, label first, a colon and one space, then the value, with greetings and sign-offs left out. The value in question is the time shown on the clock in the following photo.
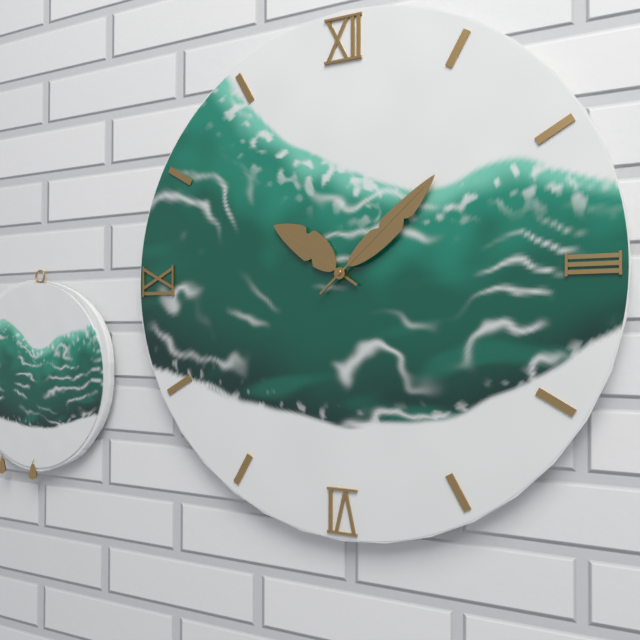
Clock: 10:08
